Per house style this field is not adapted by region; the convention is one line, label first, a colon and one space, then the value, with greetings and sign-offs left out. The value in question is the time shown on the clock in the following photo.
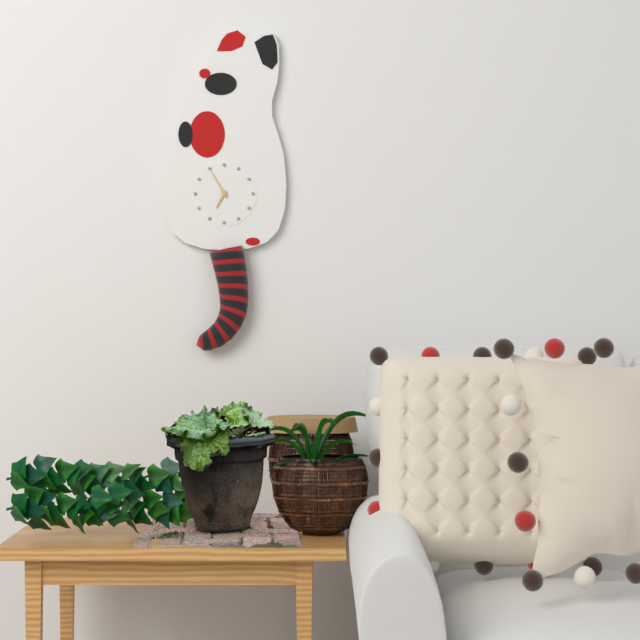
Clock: 6:55
